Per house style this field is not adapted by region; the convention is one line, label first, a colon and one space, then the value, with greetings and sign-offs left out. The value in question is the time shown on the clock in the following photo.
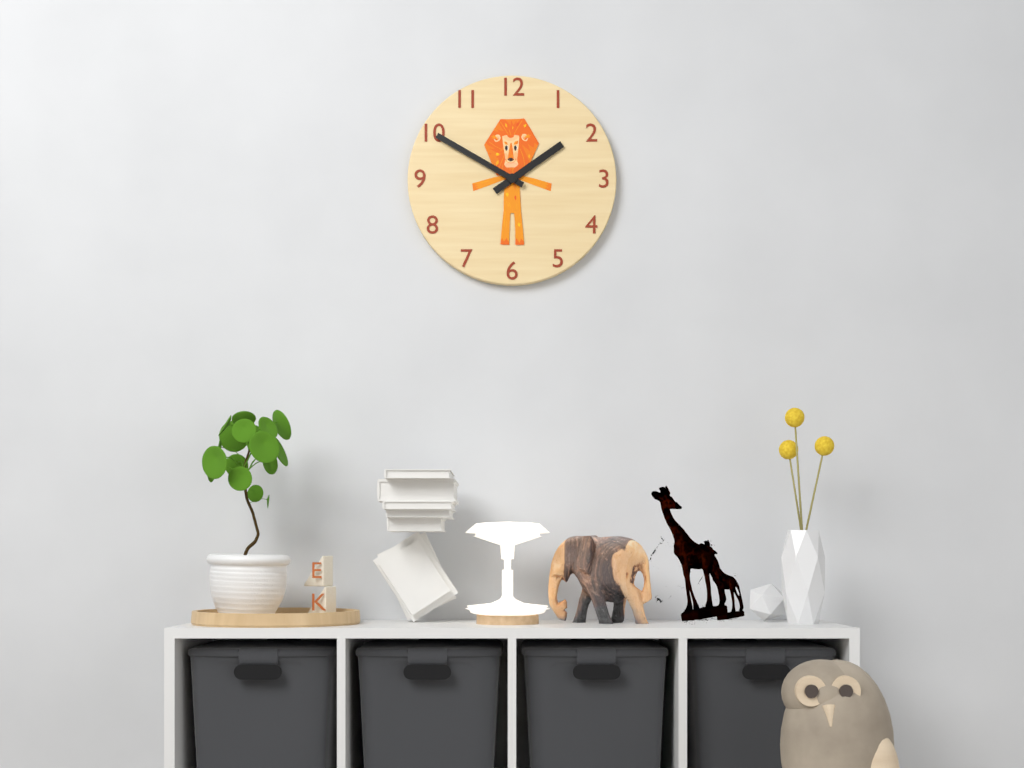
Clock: 1:50
